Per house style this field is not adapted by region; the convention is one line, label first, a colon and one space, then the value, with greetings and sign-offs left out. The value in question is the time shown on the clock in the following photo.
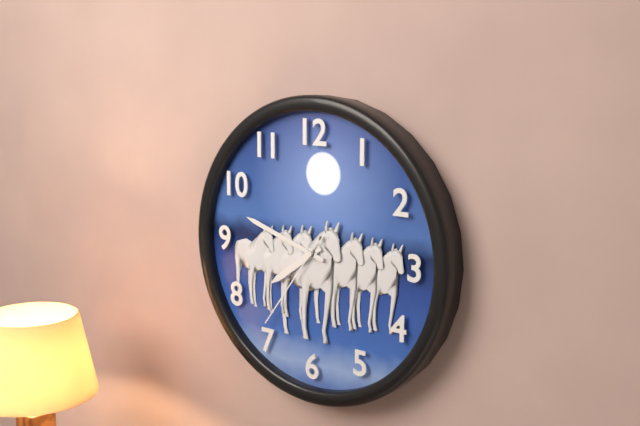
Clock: 7:48:36
